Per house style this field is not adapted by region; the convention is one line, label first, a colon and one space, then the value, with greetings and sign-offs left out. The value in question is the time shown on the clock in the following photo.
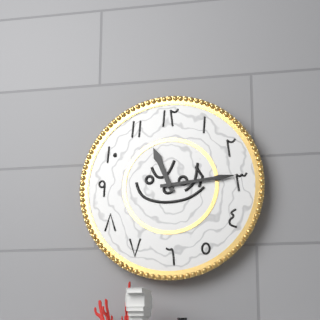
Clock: 11:14
